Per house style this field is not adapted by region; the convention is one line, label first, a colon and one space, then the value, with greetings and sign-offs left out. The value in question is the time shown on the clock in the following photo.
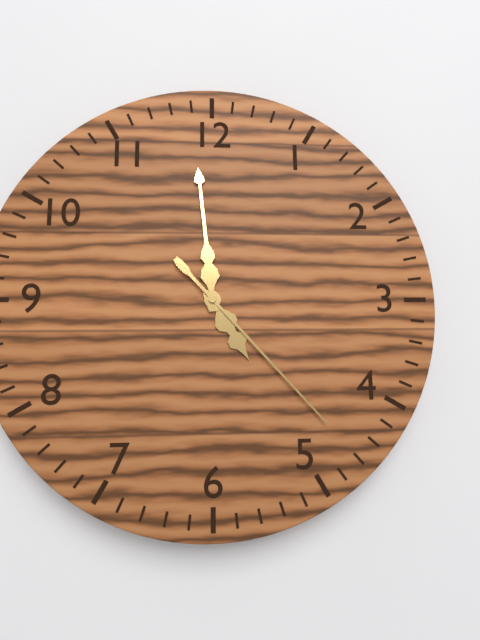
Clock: 4:59:23
